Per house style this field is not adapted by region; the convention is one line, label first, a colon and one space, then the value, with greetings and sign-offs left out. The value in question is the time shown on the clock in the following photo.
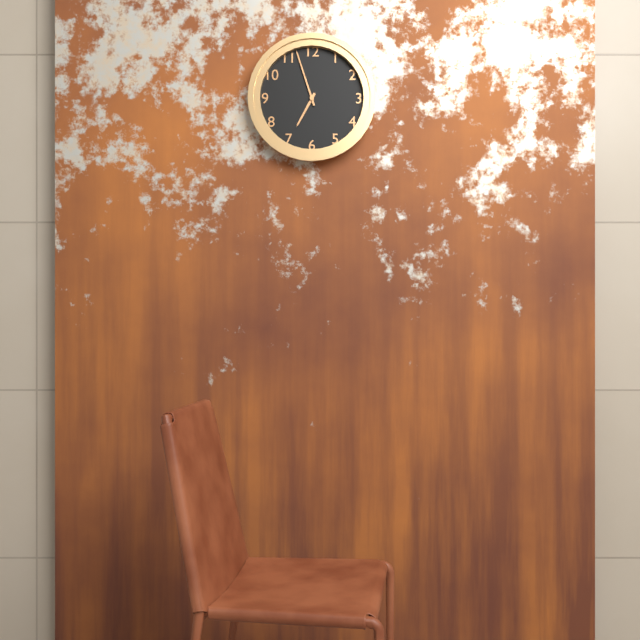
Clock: 6:57
